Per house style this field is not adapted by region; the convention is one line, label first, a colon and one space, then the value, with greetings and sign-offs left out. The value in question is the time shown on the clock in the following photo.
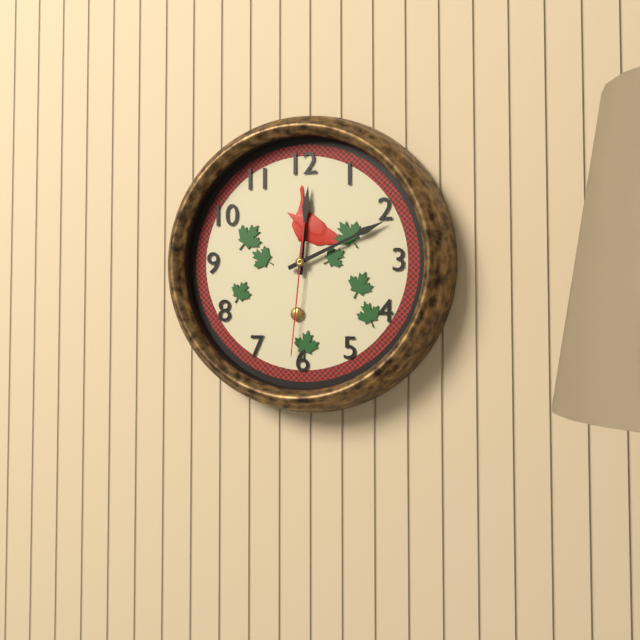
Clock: 12:11:31
